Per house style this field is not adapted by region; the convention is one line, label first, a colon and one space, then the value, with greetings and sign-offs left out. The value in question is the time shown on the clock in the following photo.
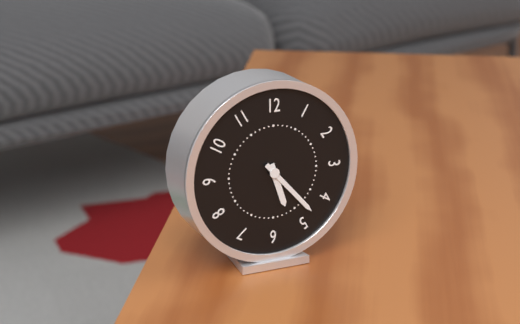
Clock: 5:23
